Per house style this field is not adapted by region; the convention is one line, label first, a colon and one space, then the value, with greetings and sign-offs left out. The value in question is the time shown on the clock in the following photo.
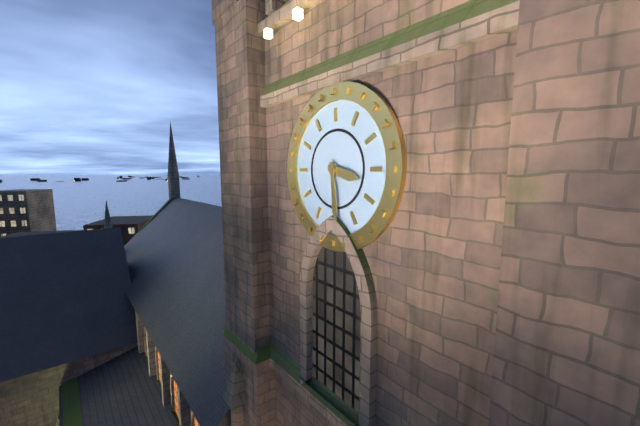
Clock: 3:29
